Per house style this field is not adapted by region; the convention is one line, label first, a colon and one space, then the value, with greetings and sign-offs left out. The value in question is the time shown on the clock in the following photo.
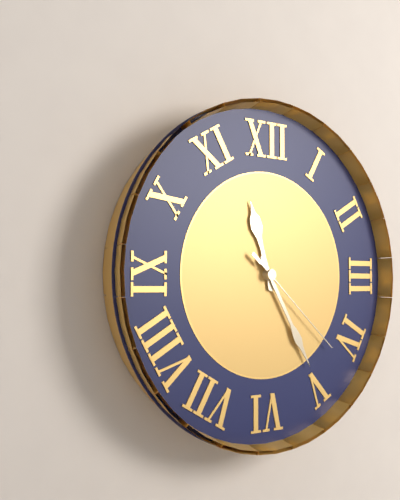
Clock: 11:25:22
